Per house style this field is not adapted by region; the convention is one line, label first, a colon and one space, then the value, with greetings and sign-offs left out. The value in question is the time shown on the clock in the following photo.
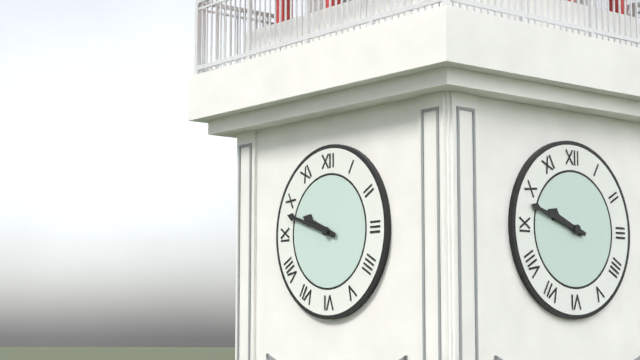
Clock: 9:48
